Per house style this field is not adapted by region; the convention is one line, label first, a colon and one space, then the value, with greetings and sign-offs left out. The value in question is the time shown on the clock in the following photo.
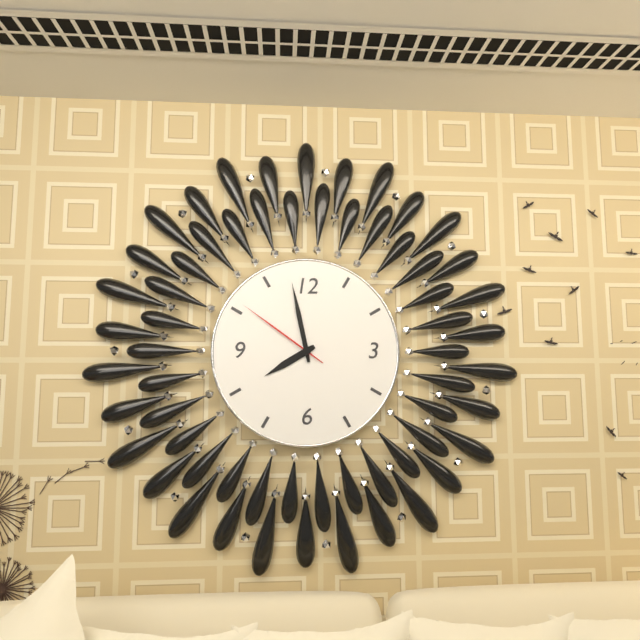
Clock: 7:58:51
